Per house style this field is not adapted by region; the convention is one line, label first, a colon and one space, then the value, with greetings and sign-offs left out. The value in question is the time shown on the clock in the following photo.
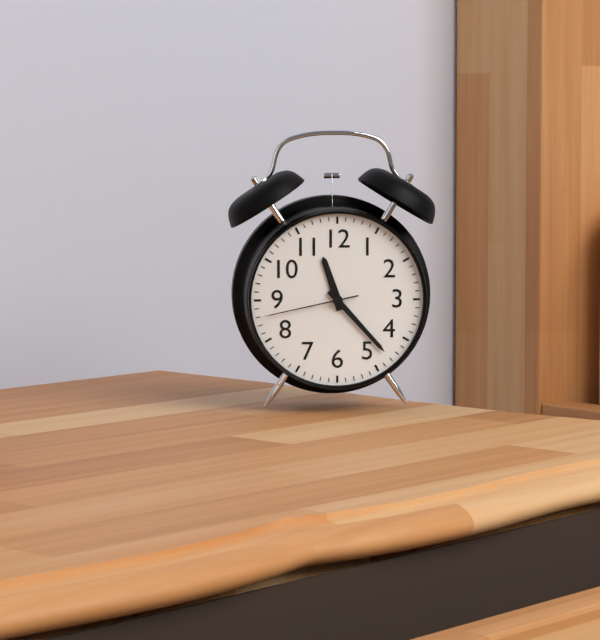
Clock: 11:23:43
